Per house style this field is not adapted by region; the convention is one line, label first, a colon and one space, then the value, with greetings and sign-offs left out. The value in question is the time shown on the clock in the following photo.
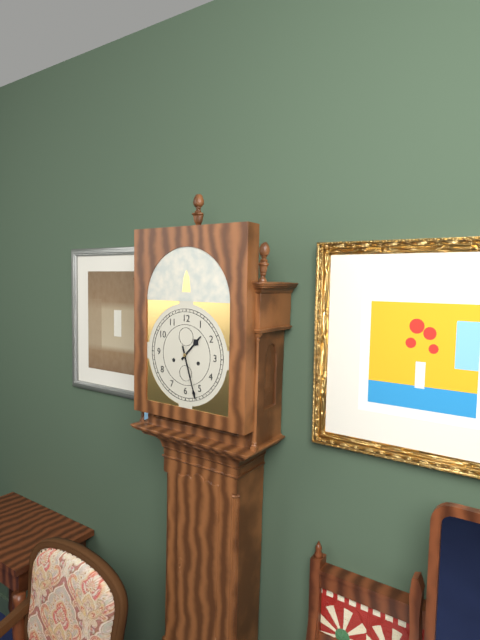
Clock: 1:27
